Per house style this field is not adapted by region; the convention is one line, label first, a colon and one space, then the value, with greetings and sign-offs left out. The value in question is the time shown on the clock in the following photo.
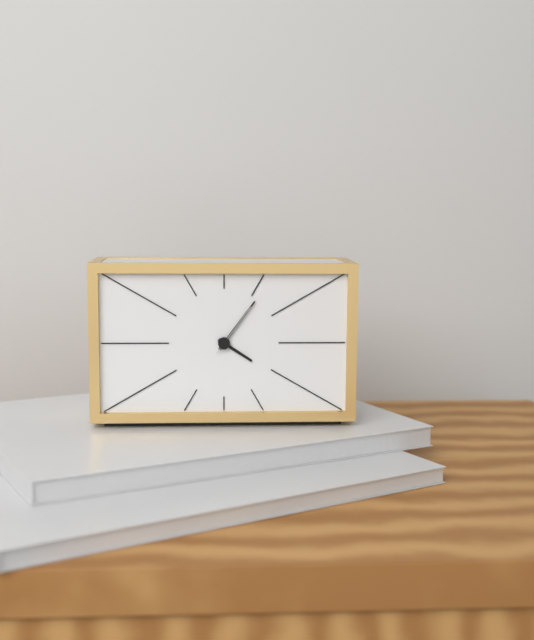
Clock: 4:06:06
